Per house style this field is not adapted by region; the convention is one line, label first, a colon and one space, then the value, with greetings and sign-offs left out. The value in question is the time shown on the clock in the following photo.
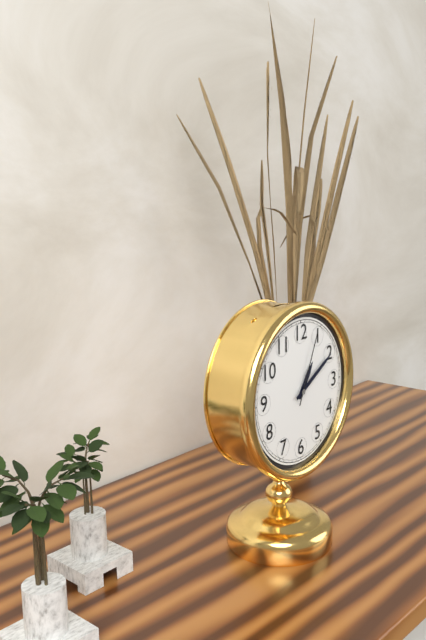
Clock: 1:10:04
